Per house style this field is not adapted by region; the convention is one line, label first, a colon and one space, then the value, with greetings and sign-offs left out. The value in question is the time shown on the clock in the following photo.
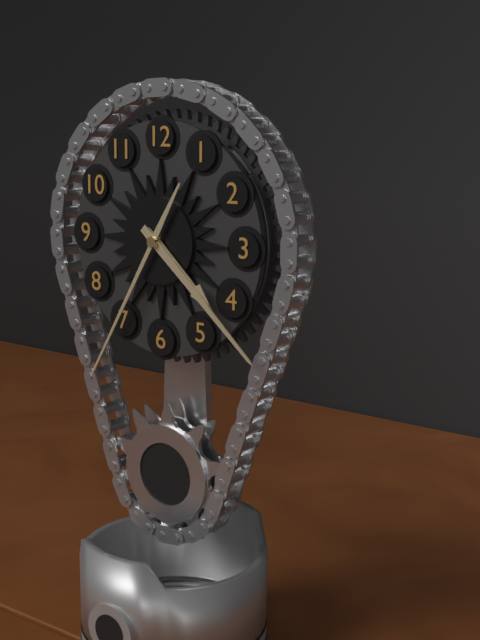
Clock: 4:22:35
